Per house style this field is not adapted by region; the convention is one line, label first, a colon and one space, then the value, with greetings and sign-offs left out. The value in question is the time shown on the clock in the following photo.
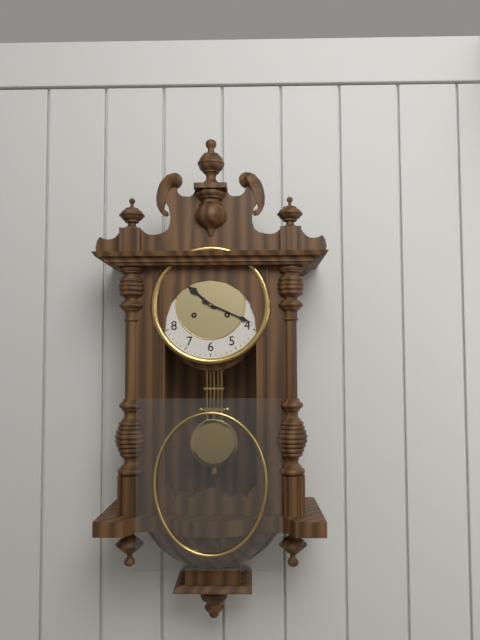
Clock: 10:19
